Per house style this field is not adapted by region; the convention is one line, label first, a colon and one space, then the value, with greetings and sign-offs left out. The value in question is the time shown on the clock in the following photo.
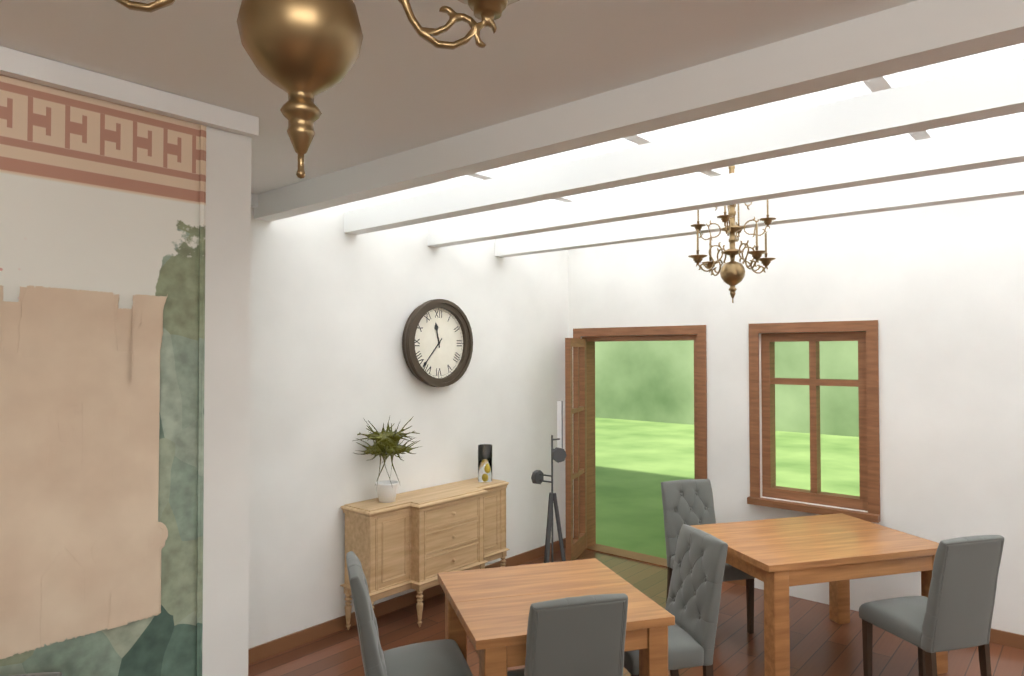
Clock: 11:37
